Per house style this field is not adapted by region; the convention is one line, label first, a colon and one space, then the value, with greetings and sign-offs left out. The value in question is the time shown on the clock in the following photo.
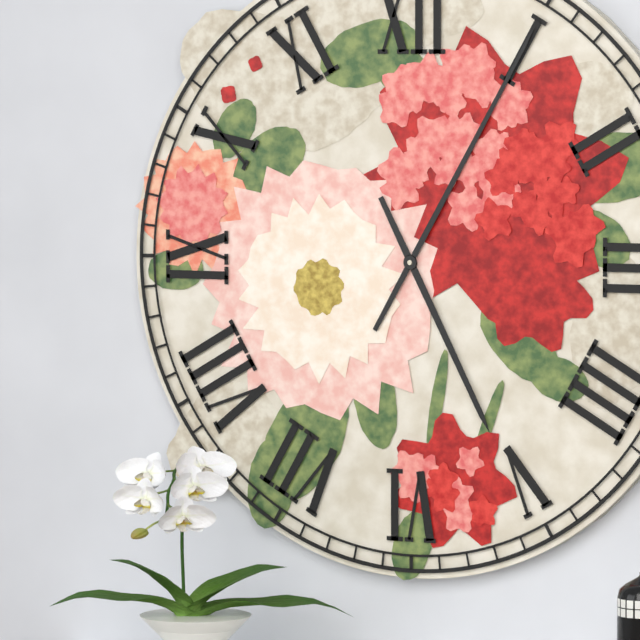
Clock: 5:05
